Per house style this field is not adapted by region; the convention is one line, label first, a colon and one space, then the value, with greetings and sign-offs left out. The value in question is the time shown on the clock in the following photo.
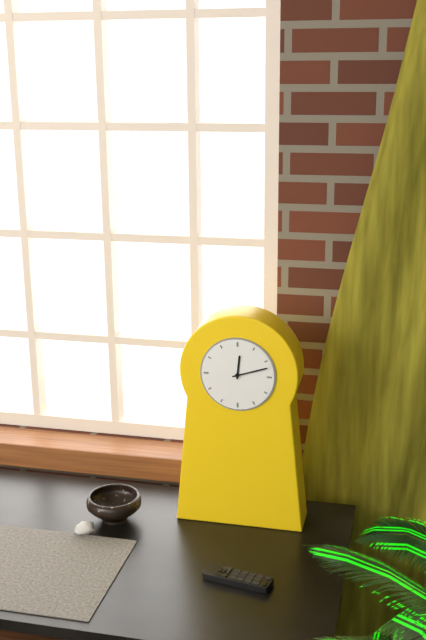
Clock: 12:12
